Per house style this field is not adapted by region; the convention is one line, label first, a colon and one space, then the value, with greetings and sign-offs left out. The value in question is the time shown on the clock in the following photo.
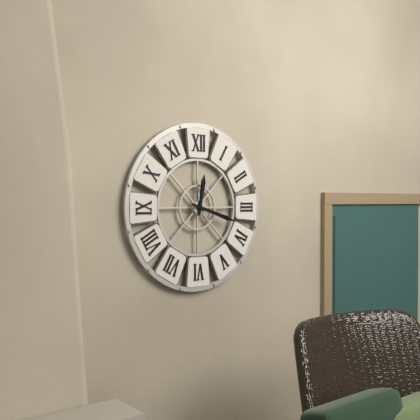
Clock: 12:18
